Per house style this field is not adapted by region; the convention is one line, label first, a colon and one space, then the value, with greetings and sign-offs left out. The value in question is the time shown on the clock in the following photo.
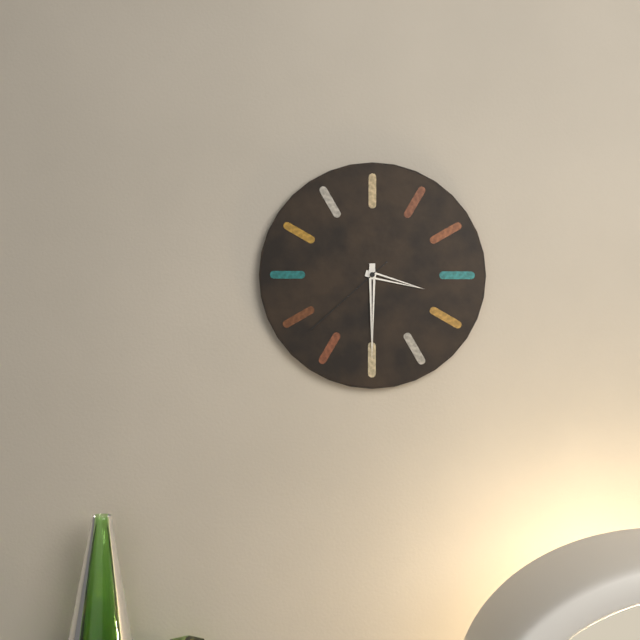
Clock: 3:30:38
